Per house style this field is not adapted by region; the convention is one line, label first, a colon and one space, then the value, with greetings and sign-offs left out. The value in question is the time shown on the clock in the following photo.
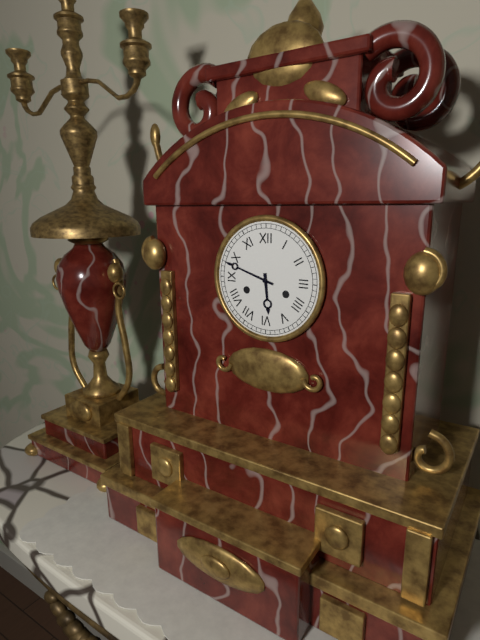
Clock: 5:48
